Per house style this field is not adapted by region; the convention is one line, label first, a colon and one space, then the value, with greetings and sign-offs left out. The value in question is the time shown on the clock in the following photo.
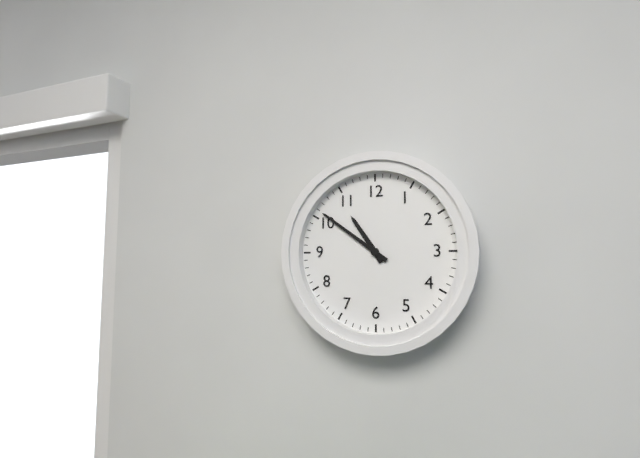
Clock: 10:51
